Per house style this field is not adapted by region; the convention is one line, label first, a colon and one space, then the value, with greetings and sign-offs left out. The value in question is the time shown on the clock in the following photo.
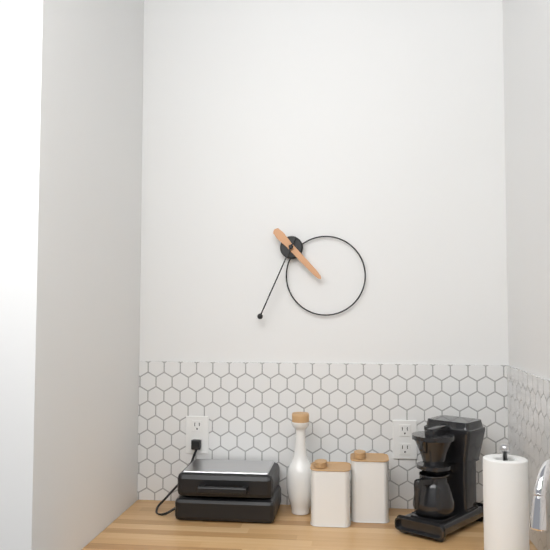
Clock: 4:34
